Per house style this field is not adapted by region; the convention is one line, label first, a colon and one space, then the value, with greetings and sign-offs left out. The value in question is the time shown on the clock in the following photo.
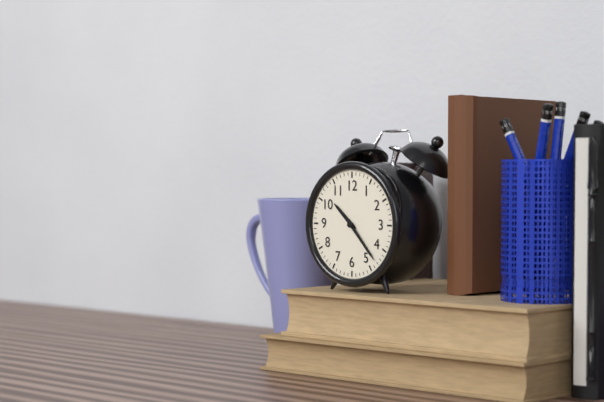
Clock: 10:23
